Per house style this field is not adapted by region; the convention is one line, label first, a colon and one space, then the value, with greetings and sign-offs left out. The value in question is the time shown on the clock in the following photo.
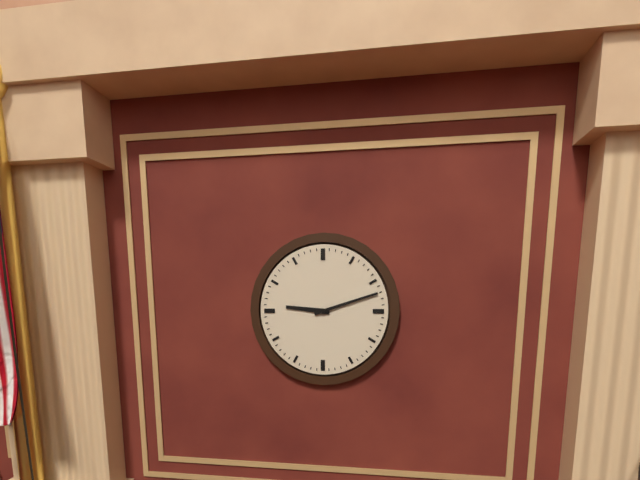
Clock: 9:12
